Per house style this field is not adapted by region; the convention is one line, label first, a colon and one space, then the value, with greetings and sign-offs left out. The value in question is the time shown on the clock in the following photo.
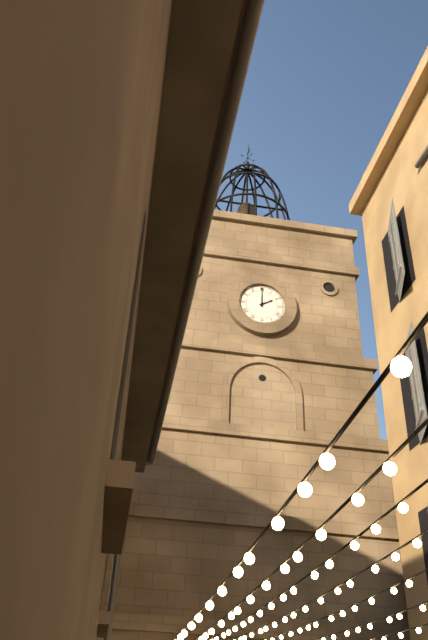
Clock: 2:00
